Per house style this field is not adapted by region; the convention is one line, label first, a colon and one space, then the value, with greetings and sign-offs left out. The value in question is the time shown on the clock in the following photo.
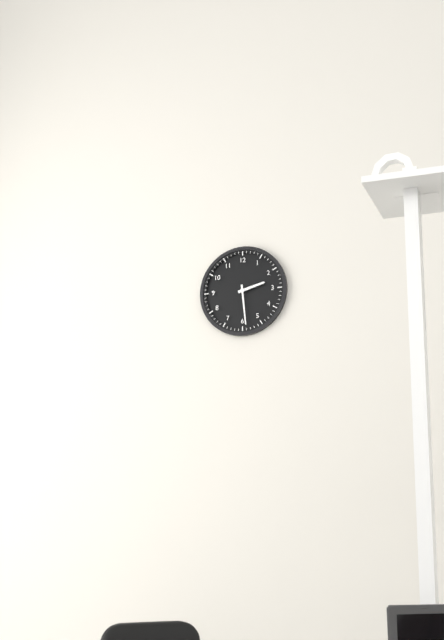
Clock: 2:29
